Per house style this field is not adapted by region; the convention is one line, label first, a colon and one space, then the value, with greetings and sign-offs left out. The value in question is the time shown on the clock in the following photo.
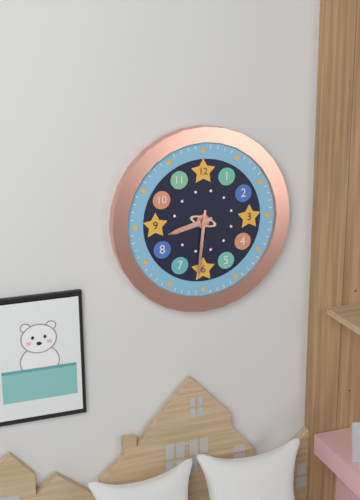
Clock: 8:31
